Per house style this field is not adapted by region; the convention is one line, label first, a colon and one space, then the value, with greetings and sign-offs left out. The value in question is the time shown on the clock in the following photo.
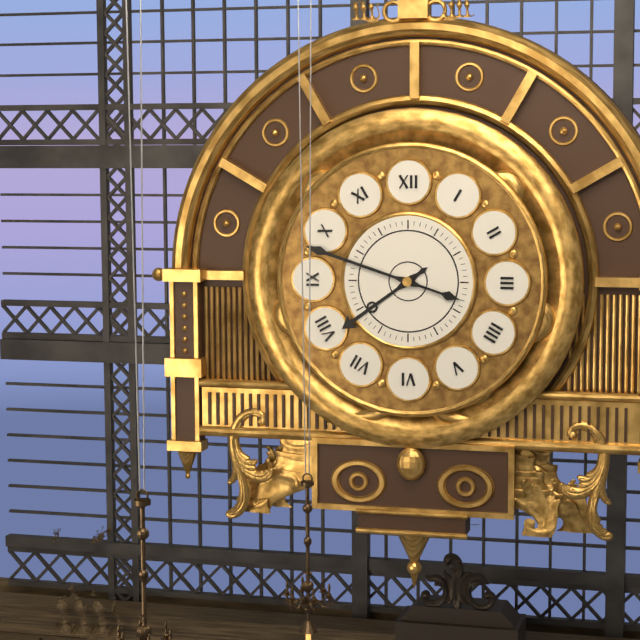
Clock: 7:48
